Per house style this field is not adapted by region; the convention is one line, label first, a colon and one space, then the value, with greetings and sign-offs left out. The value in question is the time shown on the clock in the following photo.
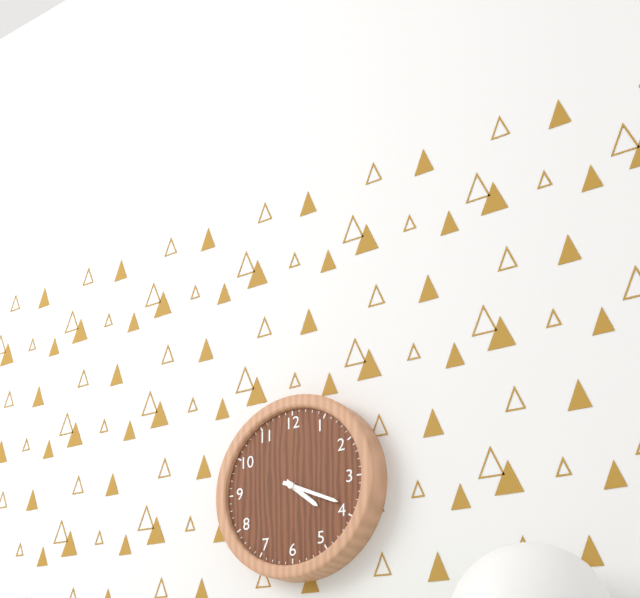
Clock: 4:19
